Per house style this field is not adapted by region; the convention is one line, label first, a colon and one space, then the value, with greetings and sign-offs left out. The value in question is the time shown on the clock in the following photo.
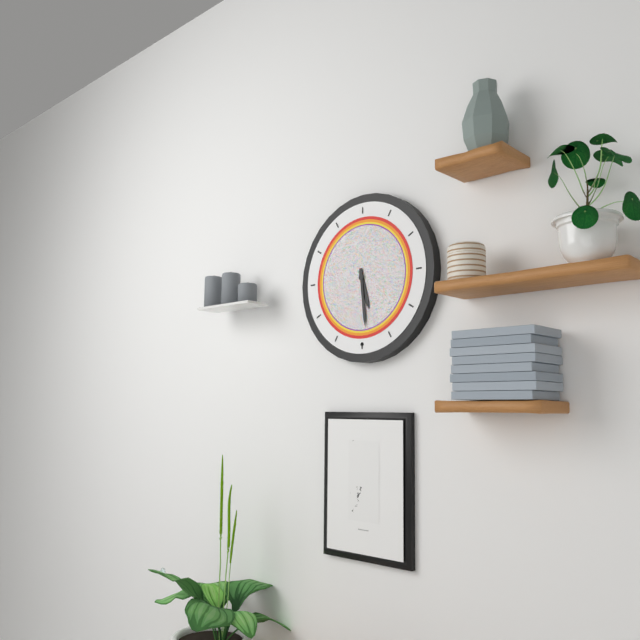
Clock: 5:29
